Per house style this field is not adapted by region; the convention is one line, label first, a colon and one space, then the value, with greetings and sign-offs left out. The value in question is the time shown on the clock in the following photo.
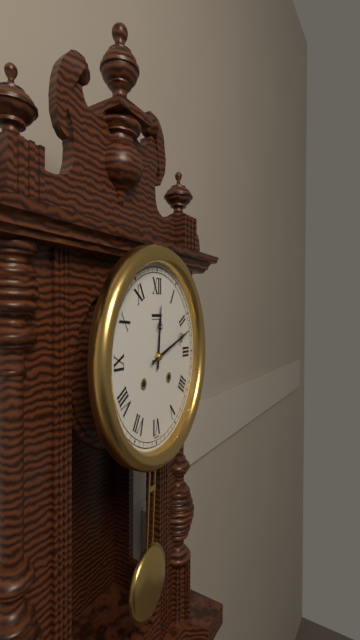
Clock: 12:12
